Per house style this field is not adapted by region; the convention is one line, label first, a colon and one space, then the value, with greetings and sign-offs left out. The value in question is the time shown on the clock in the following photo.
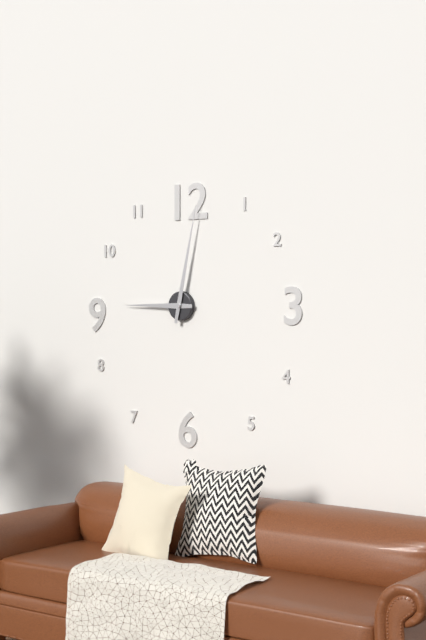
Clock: 9:02
